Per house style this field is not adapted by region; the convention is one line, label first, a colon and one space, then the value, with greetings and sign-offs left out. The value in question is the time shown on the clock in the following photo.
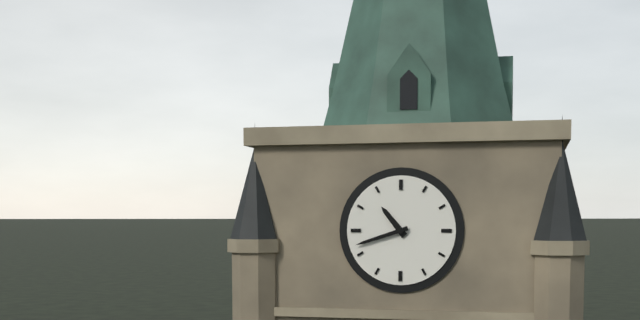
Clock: 10:42
